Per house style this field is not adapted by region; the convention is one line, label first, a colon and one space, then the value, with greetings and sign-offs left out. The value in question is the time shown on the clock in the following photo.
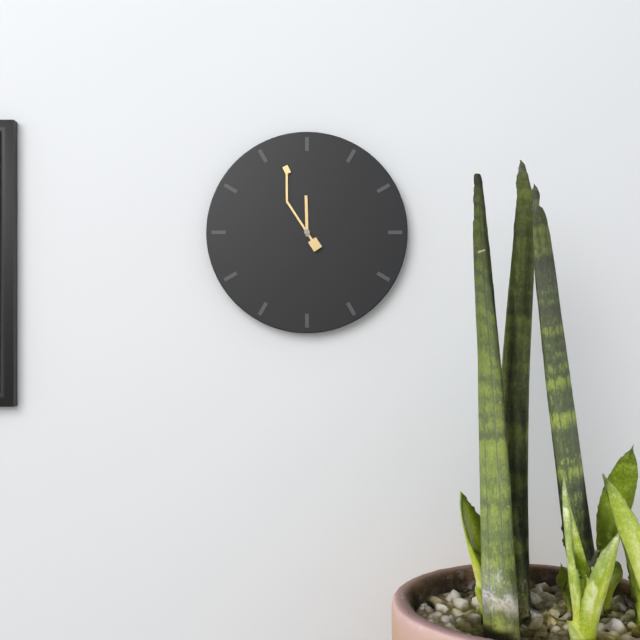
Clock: 11:57
